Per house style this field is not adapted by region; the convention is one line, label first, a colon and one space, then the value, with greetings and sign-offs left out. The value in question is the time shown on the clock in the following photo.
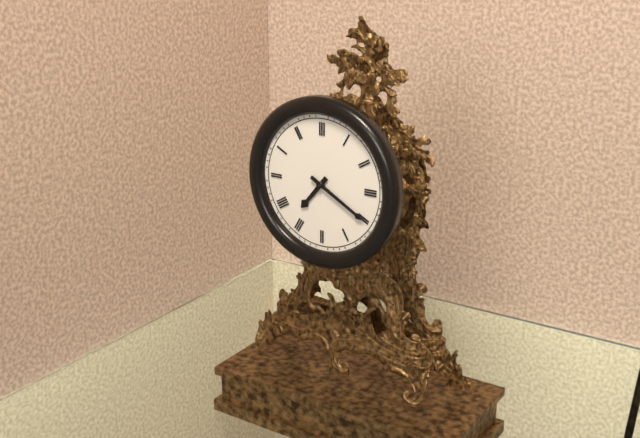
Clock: 7:20
